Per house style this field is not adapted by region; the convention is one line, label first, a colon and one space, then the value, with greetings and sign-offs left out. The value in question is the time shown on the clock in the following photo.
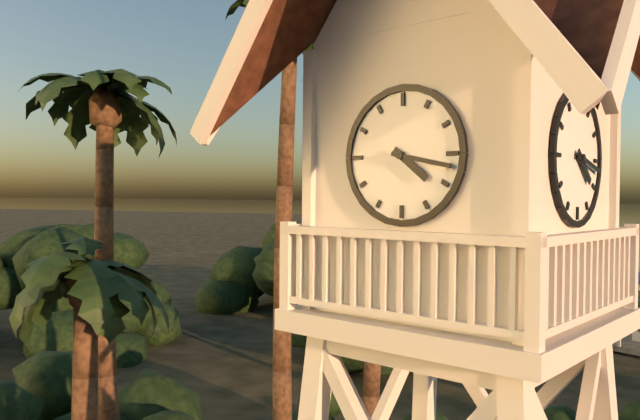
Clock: 4:17
